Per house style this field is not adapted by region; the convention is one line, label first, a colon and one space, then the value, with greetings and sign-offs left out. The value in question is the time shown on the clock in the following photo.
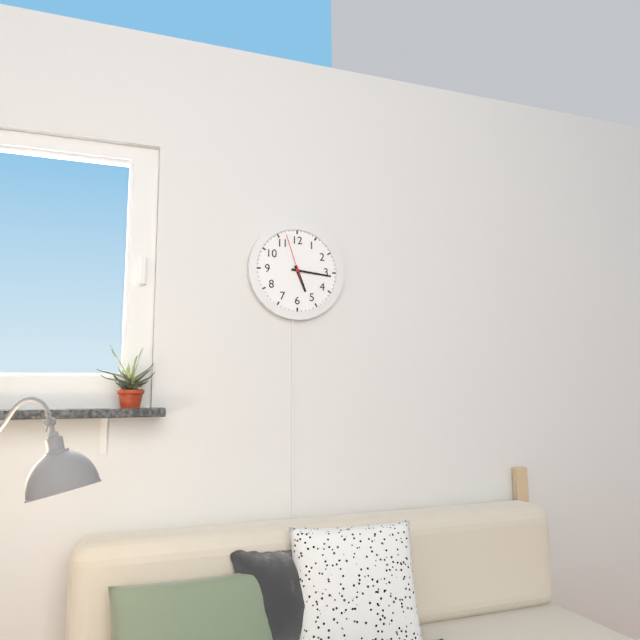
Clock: 5:16
